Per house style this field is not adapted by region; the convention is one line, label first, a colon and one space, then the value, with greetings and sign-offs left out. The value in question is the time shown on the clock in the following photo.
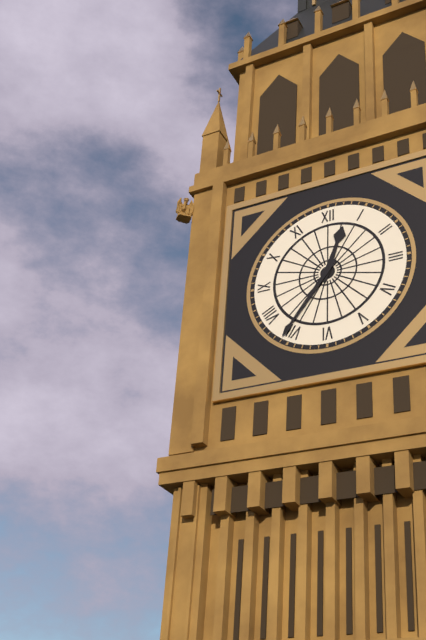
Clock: 12:36
